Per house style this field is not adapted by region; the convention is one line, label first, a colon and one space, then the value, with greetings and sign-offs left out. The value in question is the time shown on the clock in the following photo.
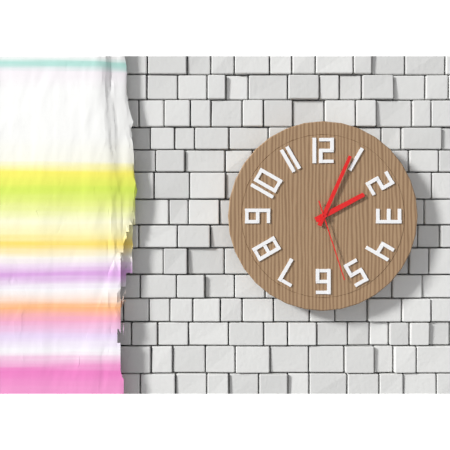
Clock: 2:04:27
